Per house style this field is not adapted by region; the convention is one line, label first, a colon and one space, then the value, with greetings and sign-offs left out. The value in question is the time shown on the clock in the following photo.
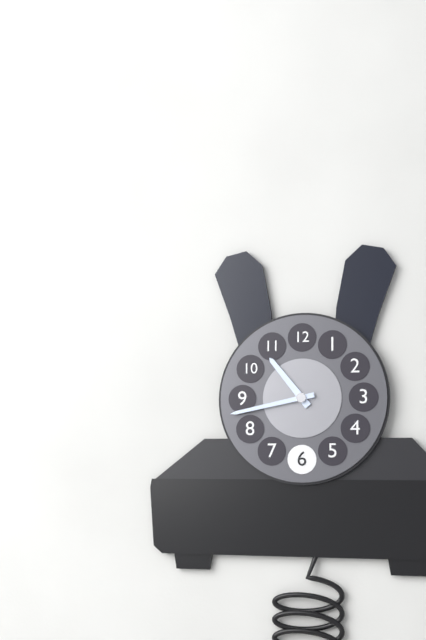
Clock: 10:43
